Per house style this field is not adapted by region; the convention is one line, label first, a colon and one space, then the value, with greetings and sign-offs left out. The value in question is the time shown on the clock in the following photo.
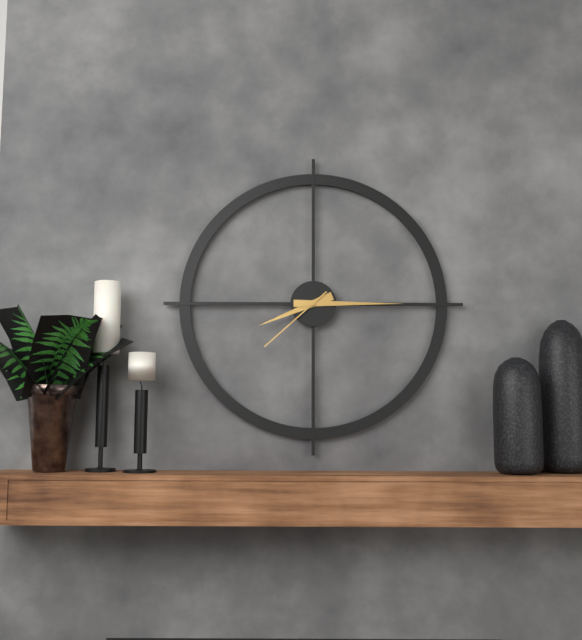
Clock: 8:15:38
